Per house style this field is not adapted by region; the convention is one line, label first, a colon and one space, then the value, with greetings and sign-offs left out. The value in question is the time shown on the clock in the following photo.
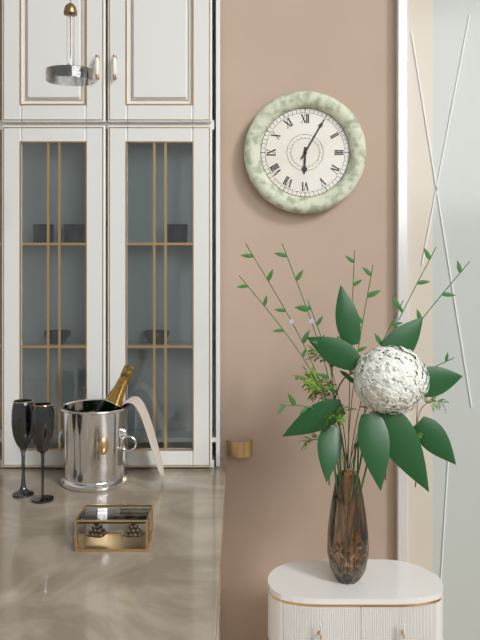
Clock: 6:05
